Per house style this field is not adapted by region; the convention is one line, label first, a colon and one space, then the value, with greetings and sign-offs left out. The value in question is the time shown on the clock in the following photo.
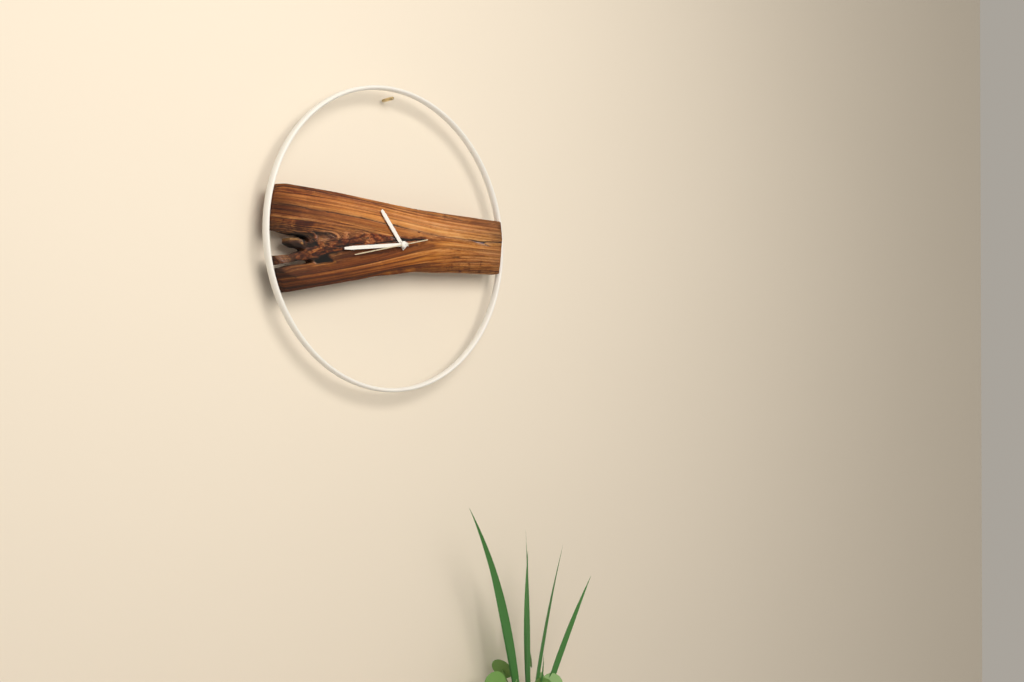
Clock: 10:44:43
